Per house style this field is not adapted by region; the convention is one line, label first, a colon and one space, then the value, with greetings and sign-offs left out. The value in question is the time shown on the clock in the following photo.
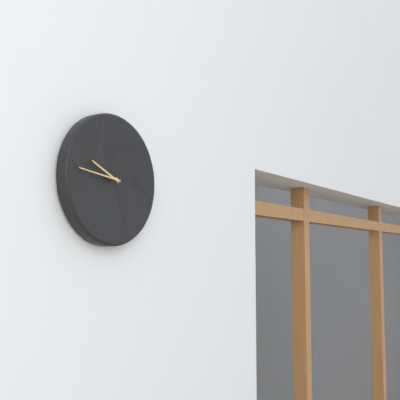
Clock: 9:46
